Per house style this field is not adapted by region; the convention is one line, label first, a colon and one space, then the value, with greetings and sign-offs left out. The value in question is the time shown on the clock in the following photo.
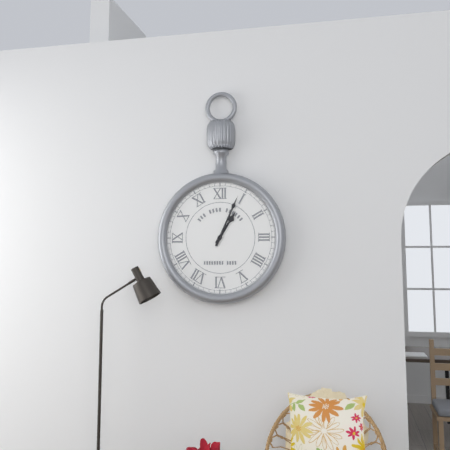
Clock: 1:04
